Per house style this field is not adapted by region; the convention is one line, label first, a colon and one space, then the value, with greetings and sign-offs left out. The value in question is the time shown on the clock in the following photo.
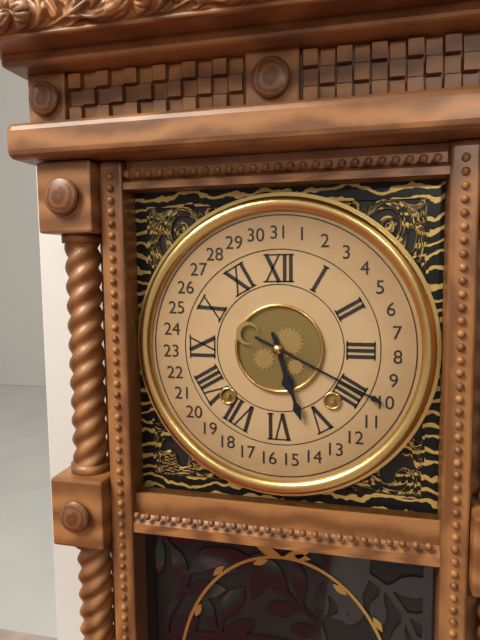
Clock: 5:27
